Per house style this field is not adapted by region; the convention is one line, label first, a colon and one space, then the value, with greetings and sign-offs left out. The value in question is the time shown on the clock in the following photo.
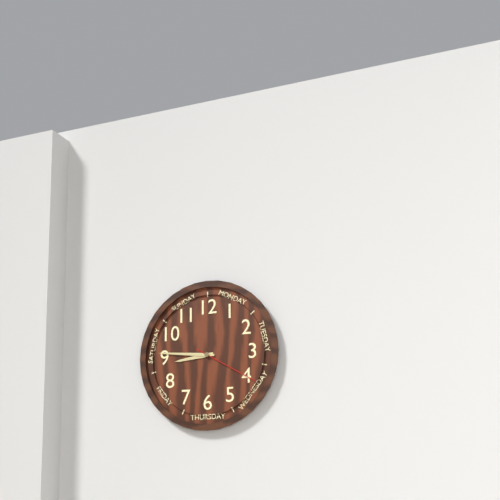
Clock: 8:46:20
